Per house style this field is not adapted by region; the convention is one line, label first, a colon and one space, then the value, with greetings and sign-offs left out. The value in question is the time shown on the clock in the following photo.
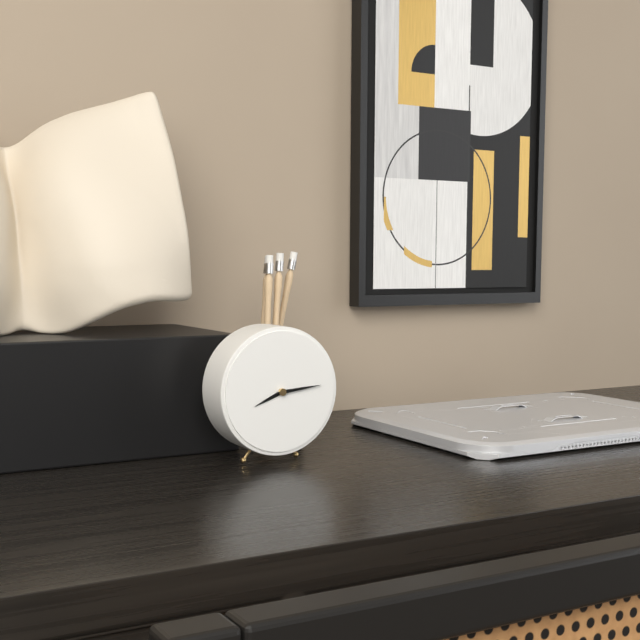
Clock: 8:14
